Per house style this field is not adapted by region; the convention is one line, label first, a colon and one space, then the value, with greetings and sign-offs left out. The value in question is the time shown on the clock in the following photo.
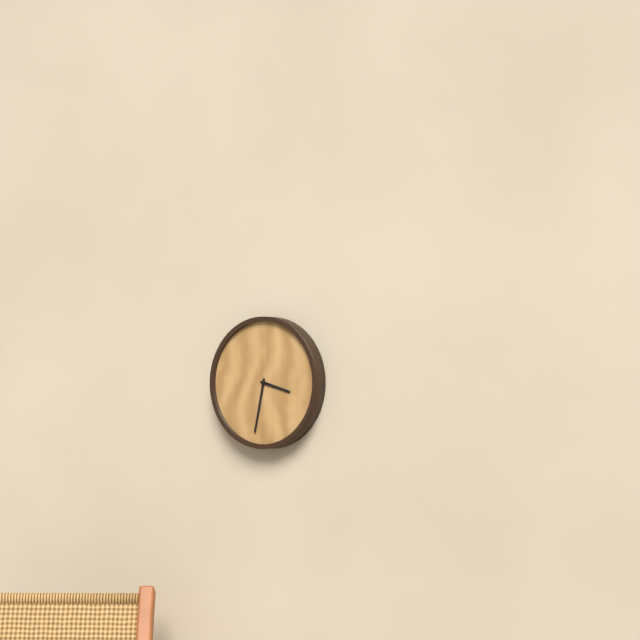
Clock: 3:32
